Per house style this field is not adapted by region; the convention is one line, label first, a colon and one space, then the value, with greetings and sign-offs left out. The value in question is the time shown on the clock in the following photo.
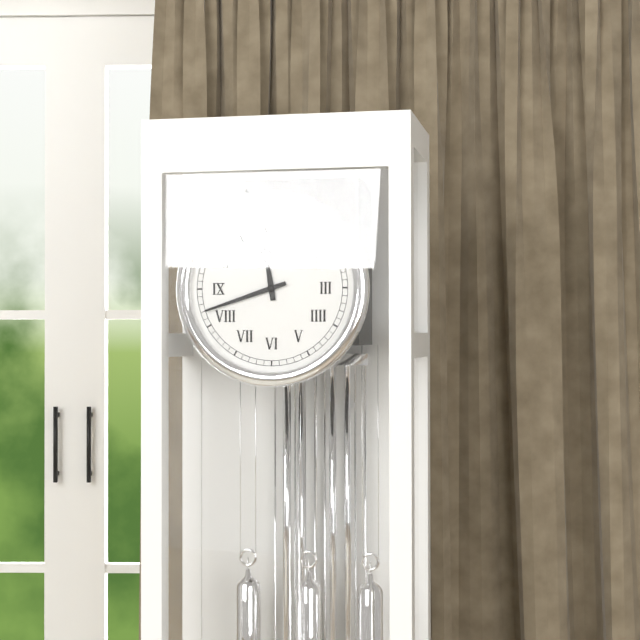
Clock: 11:42
